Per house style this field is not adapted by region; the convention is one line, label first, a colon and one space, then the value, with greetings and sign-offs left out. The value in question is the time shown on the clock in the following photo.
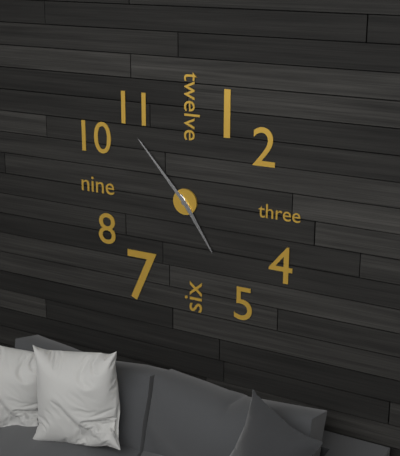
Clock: 4:53
